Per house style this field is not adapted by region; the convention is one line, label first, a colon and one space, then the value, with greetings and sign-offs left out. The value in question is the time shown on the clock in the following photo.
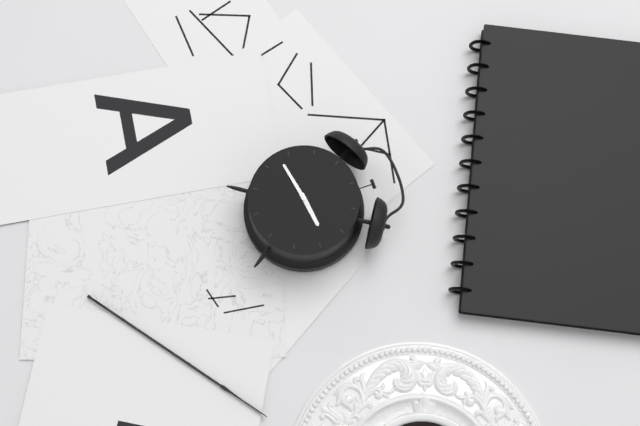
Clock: 2:43
